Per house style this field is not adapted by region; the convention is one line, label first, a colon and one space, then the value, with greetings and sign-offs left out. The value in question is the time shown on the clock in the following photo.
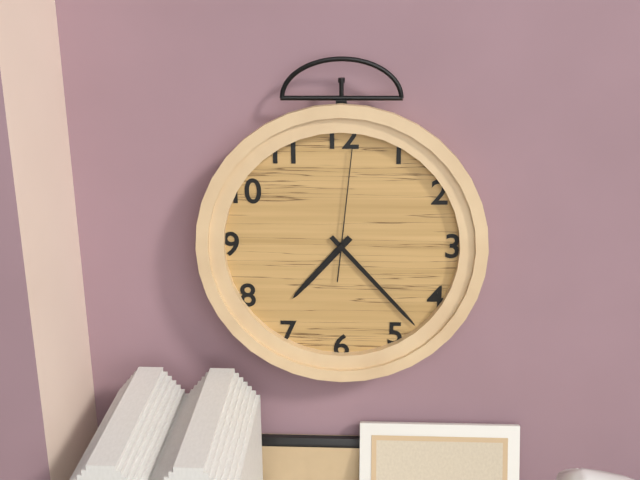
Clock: 7:23:01
